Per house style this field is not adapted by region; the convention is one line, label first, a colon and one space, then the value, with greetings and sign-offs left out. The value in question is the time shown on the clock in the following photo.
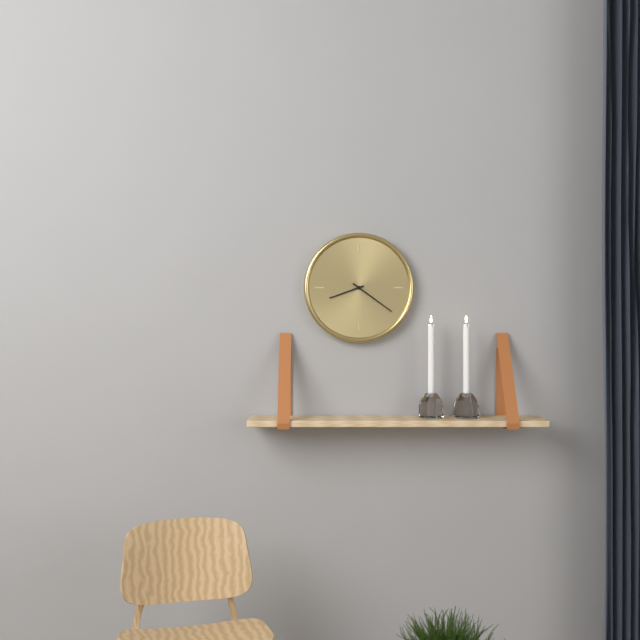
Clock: 8:21
